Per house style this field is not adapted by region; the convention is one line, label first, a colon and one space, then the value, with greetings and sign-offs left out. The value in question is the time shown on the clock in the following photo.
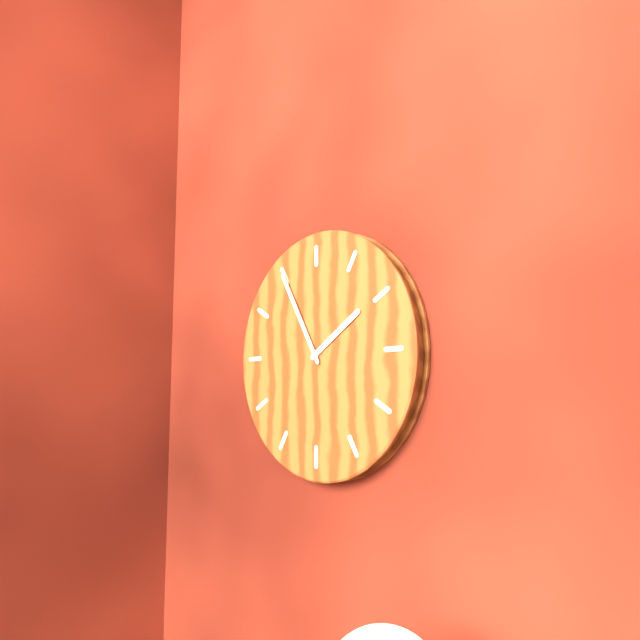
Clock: 1:55
